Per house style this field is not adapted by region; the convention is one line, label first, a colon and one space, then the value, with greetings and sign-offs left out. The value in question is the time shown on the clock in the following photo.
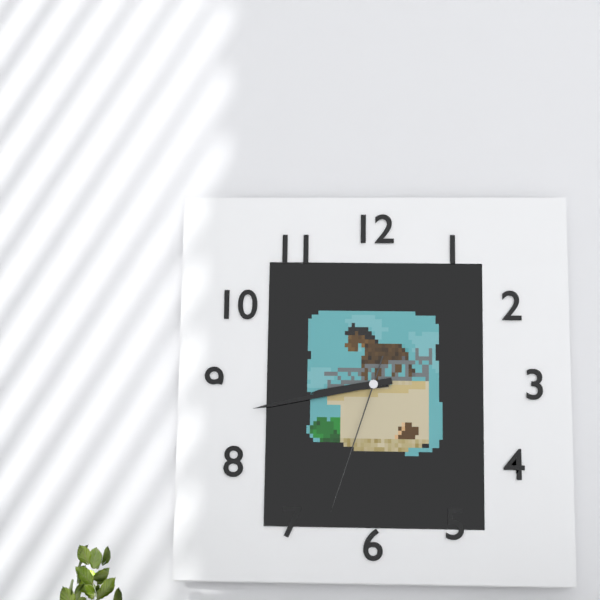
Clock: 8:43:33
